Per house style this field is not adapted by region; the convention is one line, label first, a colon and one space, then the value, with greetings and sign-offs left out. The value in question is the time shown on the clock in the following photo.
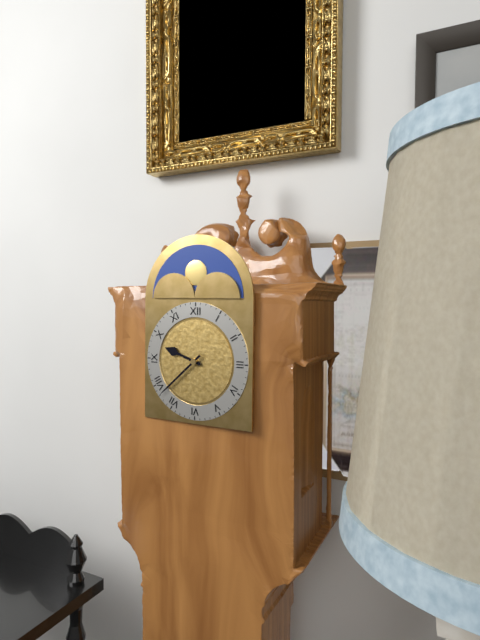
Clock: 9:38
